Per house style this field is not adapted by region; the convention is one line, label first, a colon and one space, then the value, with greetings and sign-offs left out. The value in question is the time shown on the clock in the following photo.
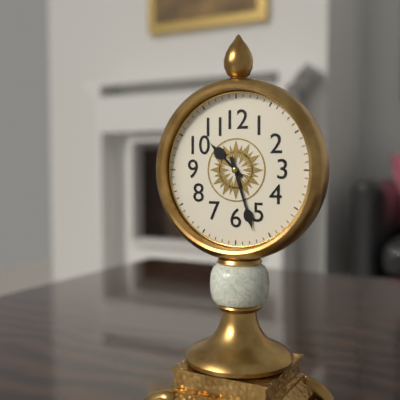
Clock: 10:27
